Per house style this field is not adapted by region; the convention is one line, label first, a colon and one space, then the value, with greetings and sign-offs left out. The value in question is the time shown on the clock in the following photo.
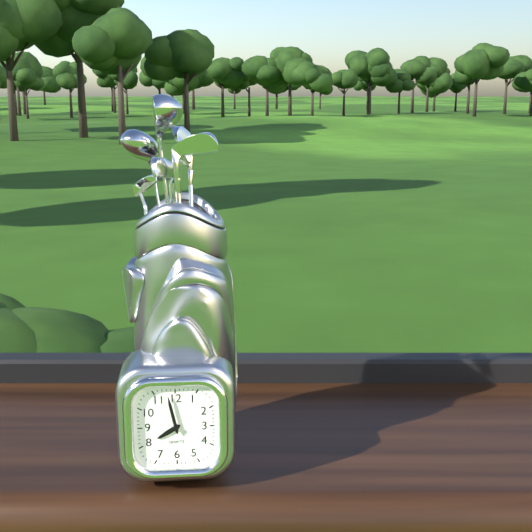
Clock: 7:58
